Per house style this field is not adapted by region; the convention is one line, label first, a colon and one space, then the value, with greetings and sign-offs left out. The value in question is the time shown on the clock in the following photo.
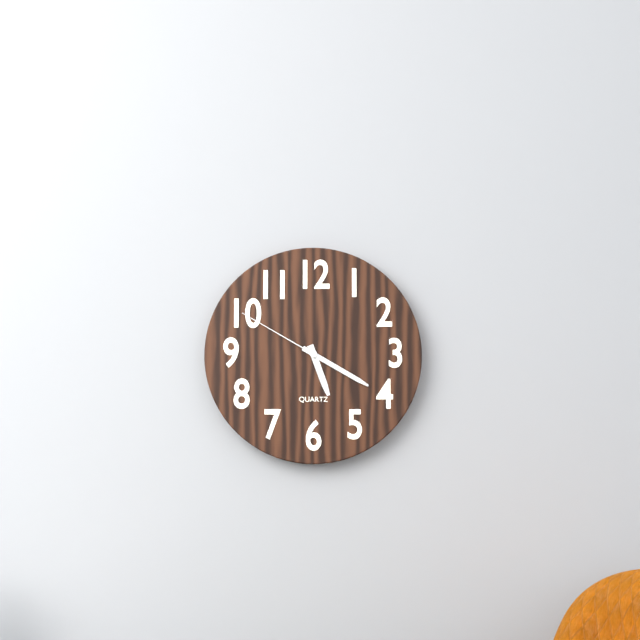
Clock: 5:20:50
